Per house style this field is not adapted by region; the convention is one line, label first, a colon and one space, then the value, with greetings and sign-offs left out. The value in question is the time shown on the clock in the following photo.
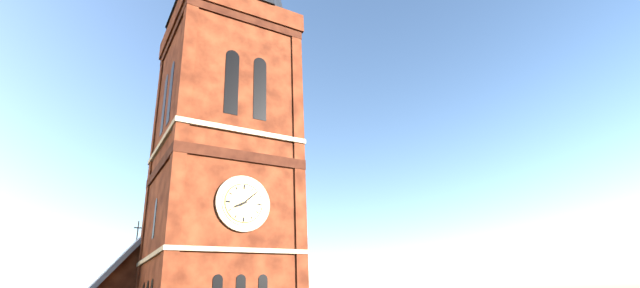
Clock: 8:08
